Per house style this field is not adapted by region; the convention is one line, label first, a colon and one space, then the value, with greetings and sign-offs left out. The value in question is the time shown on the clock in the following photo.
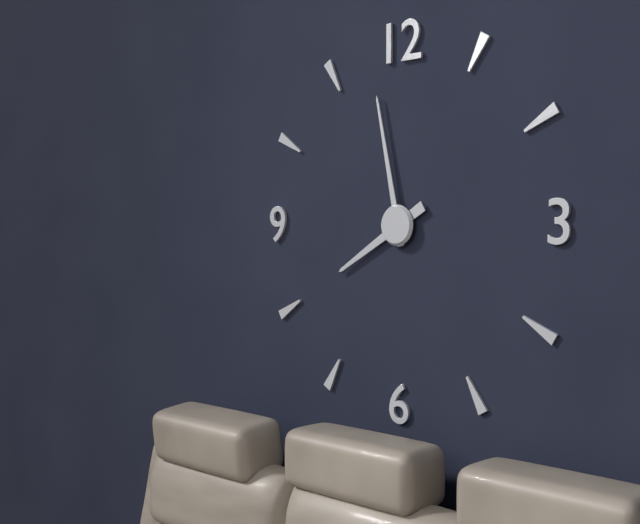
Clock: 7:58
